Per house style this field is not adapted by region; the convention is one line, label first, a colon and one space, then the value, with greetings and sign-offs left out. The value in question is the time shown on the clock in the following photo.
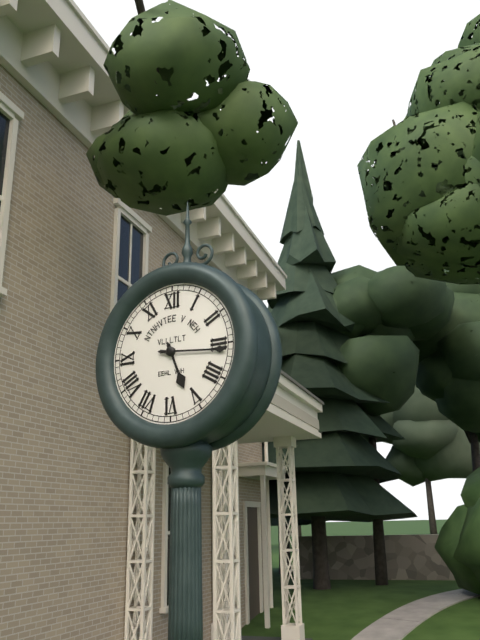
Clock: 5:16
